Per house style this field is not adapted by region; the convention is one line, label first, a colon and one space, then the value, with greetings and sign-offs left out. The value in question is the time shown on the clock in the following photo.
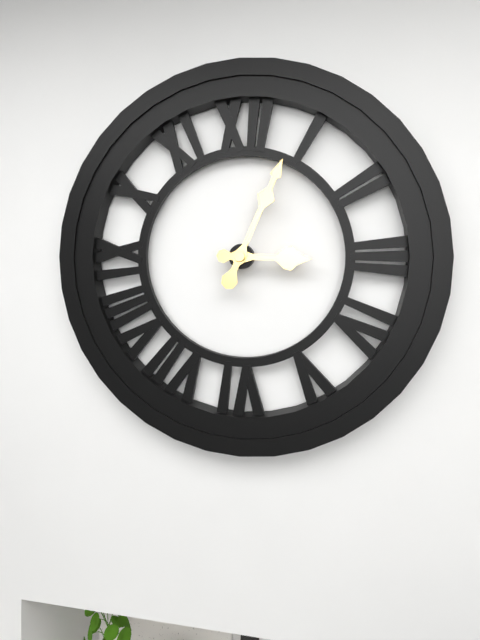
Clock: 3:04
